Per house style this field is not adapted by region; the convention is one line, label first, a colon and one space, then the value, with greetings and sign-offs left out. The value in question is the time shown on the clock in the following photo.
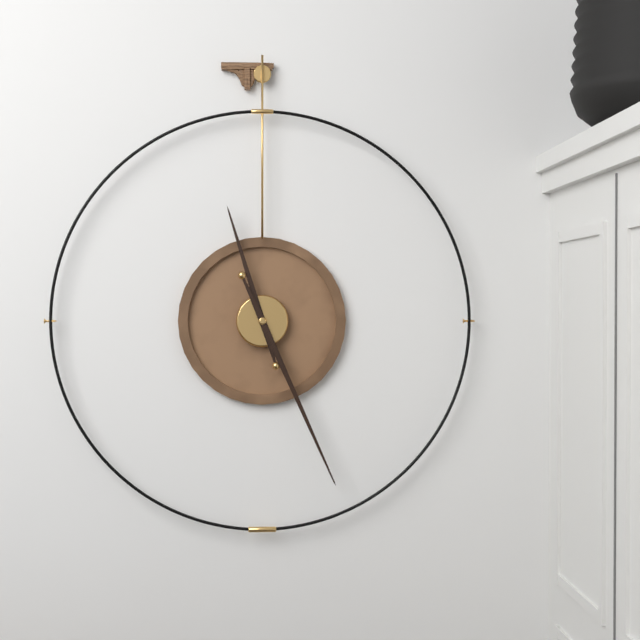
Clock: 11:26
